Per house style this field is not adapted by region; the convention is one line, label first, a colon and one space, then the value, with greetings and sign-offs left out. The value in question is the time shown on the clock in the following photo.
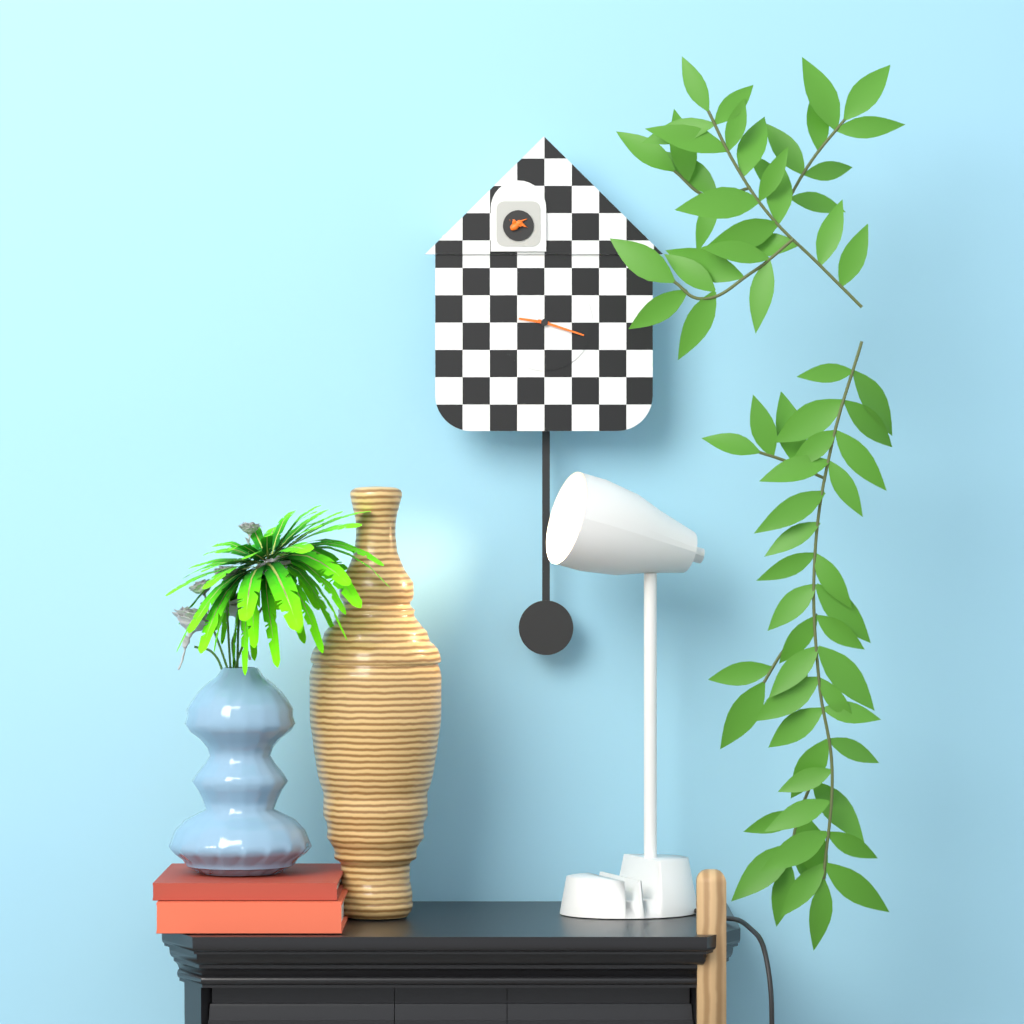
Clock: 9:18
